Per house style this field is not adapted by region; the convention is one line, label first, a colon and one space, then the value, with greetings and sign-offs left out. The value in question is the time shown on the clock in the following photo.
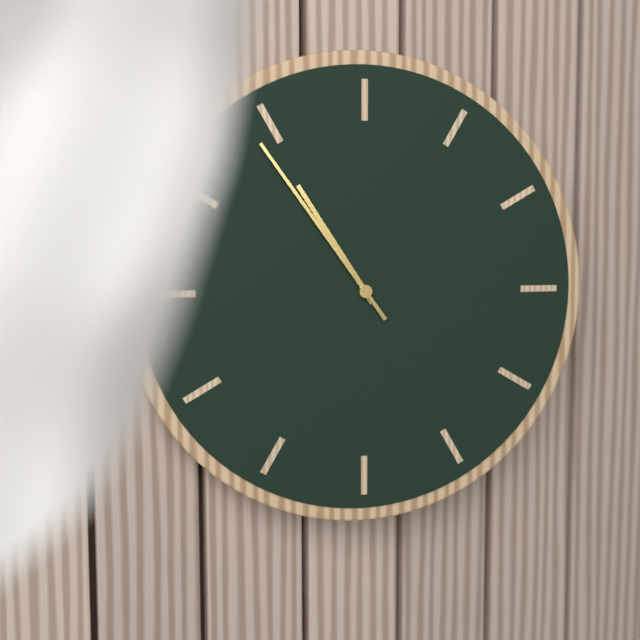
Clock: 10:54
